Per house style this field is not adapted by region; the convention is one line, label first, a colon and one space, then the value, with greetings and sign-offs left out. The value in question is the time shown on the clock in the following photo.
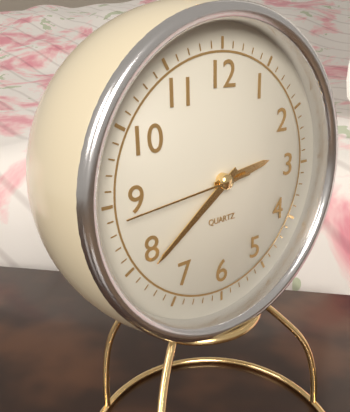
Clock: 2:39:44
